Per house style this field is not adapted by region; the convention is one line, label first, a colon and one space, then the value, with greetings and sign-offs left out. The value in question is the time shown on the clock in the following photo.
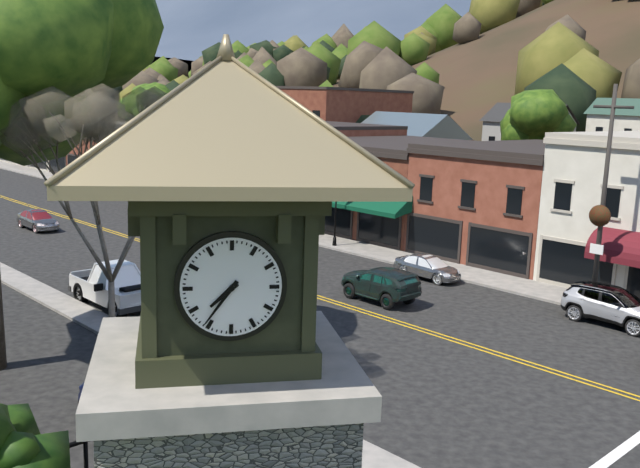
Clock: 7:36
